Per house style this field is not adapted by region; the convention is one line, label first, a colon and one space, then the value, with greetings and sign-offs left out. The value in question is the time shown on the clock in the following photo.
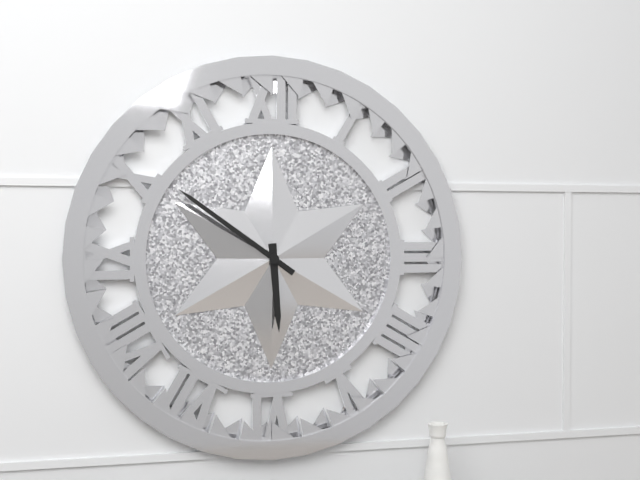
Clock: 5:51
